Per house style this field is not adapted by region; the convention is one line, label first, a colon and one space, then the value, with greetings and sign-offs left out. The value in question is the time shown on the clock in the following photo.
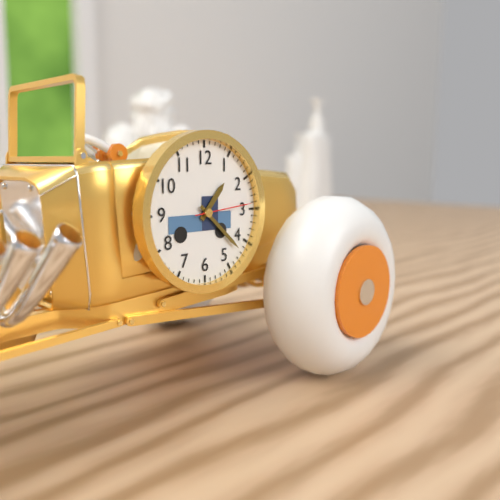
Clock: 1:22:14
